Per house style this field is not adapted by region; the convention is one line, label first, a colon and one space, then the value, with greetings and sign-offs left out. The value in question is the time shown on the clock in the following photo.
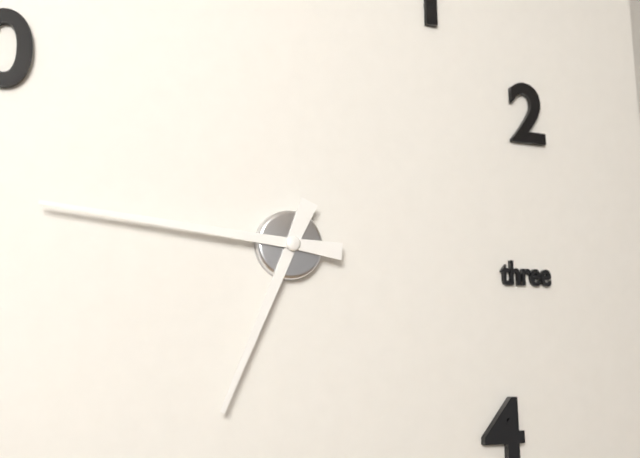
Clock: 6:46
